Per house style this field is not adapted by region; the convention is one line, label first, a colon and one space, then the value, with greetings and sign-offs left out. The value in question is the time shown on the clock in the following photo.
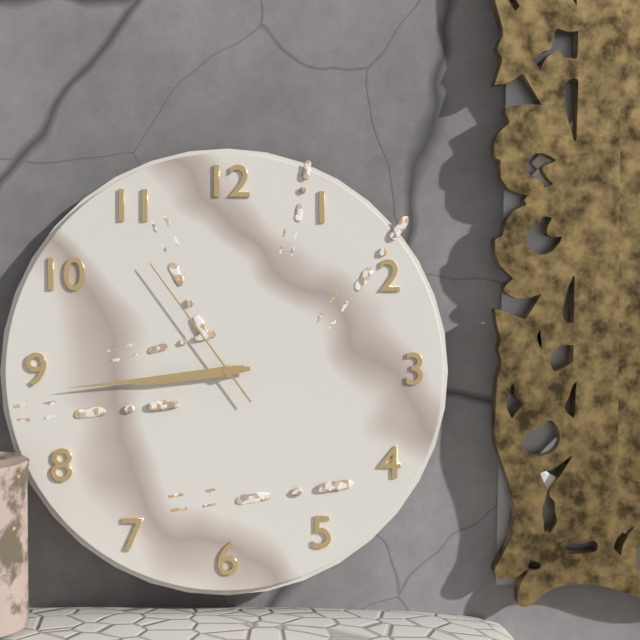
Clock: 8:44:54
